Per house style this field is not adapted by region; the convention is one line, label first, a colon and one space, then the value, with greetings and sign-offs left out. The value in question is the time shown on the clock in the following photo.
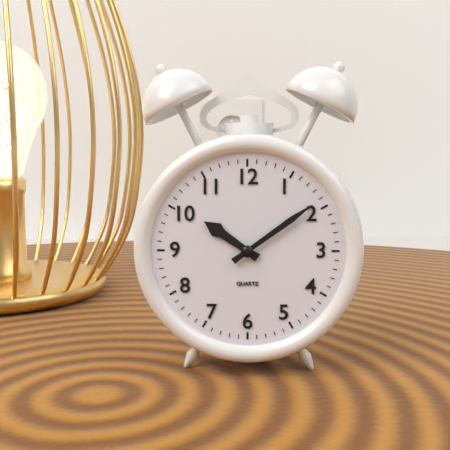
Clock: 10:09
